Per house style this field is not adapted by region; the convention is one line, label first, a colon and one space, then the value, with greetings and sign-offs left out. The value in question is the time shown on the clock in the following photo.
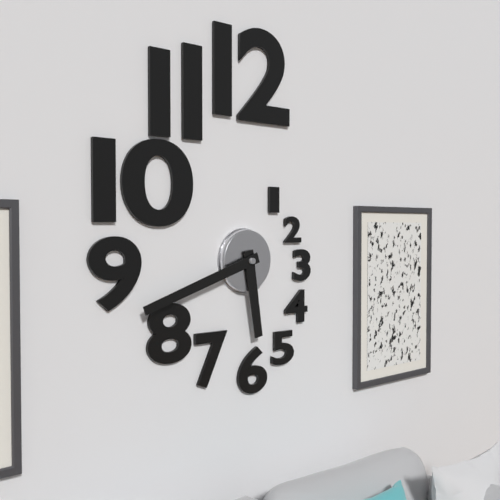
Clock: 5:42
